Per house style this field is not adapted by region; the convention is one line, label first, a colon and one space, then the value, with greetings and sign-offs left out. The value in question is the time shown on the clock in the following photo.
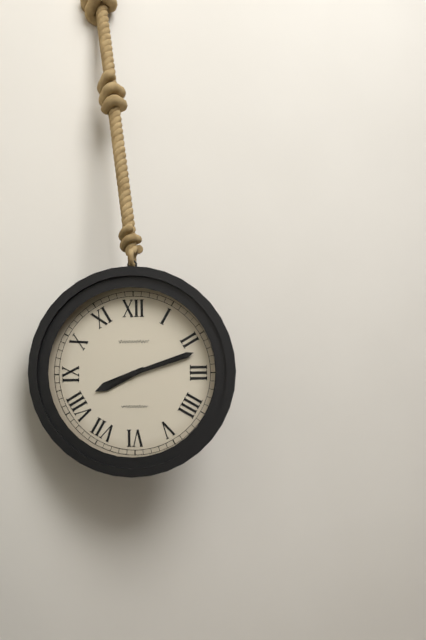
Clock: 8:12
